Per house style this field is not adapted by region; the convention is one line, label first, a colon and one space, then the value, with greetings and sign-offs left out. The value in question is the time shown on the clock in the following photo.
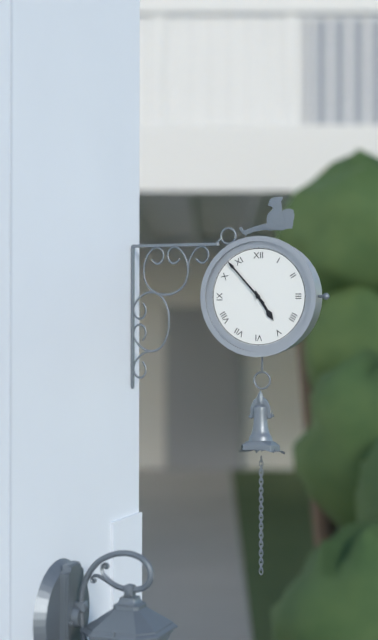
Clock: 4:53
